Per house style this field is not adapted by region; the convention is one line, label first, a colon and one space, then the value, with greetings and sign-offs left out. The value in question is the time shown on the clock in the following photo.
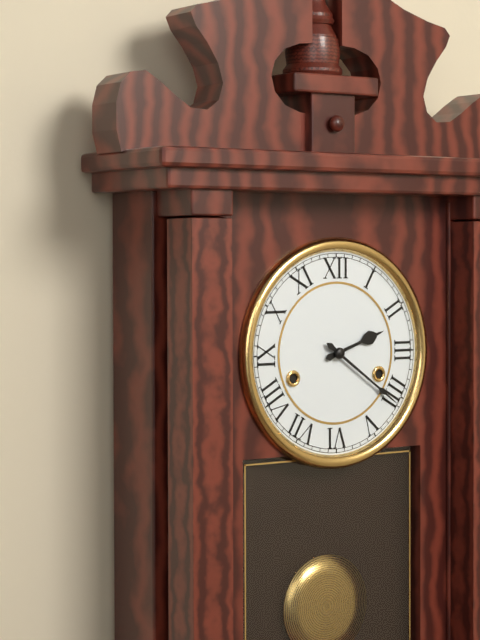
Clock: 2:21
